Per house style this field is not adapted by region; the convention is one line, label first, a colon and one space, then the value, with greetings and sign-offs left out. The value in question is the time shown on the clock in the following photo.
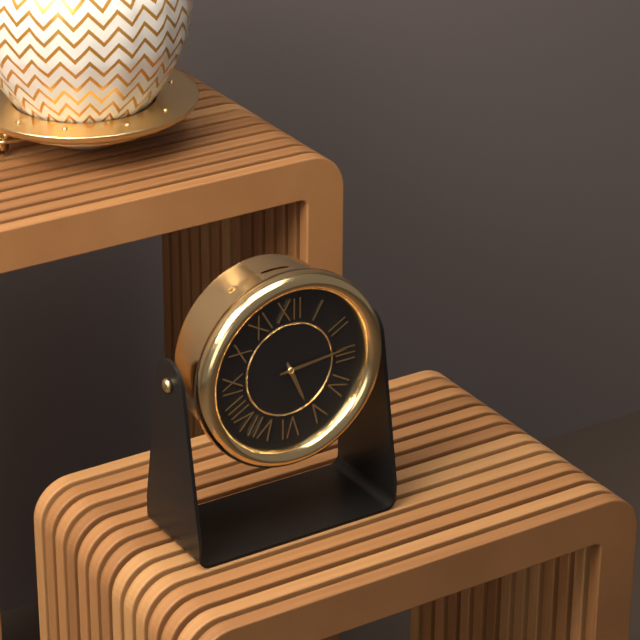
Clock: 5:14
